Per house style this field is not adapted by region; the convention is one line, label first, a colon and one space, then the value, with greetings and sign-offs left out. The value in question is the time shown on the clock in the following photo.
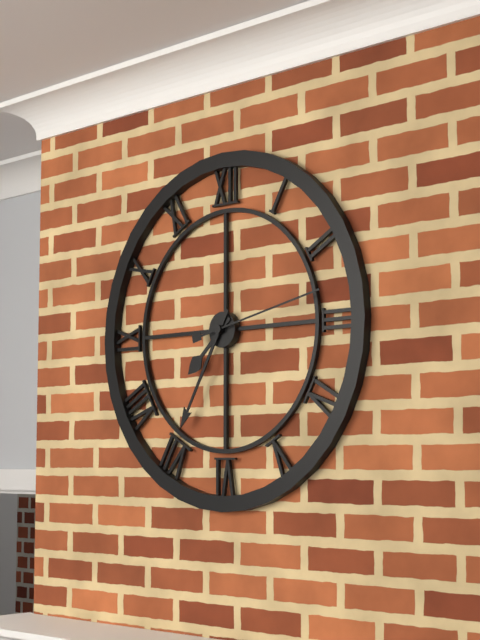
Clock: 7:35:13
